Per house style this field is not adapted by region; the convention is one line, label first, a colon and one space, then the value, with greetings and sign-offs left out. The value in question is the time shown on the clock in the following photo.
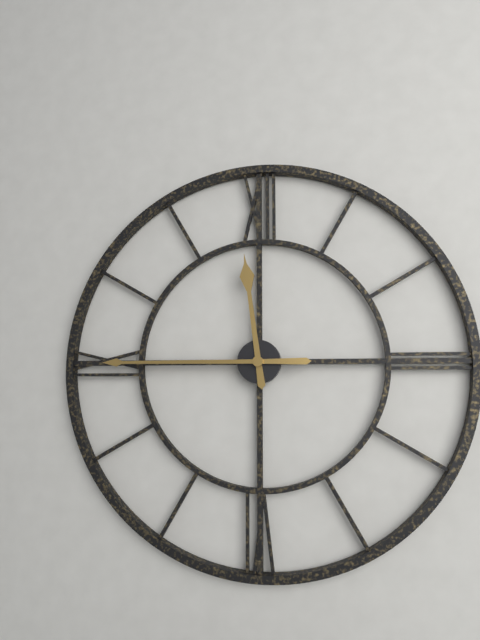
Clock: 11:45
